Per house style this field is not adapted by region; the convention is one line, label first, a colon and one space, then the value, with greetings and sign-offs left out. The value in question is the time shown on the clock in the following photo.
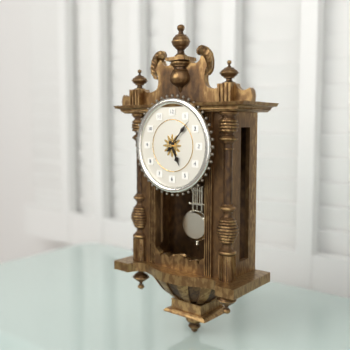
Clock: 5:07
